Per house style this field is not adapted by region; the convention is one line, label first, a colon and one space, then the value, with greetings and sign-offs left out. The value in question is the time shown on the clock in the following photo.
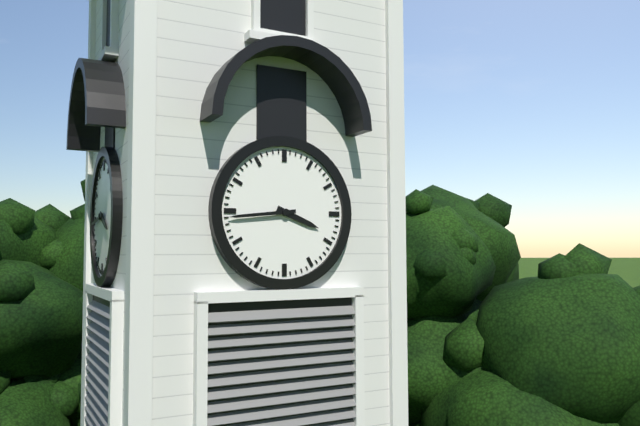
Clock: 3:44
